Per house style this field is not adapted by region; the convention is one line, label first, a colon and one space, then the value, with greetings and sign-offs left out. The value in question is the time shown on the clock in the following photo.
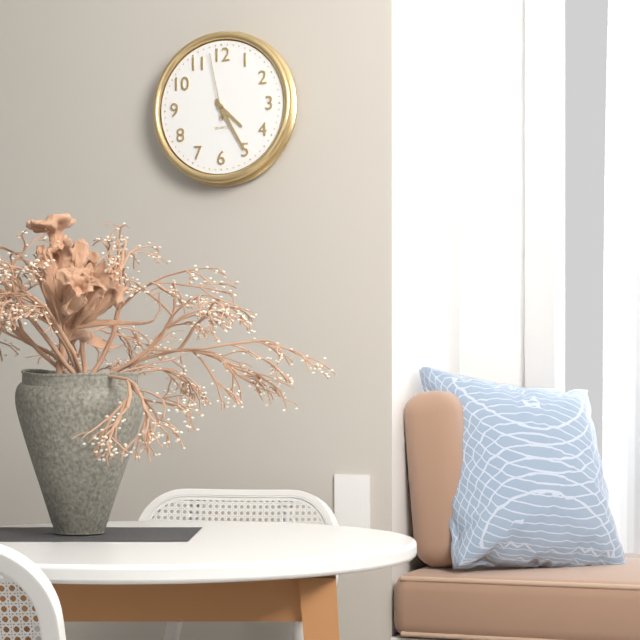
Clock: 4:25:58
